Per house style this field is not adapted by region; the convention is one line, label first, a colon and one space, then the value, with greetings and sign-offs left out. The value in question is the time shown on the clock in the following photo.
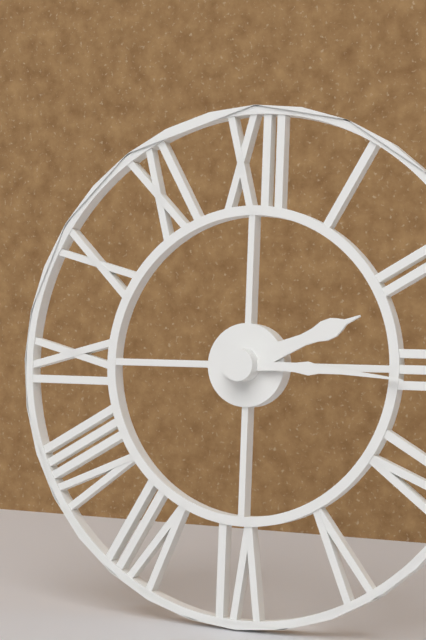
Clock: 2:15
